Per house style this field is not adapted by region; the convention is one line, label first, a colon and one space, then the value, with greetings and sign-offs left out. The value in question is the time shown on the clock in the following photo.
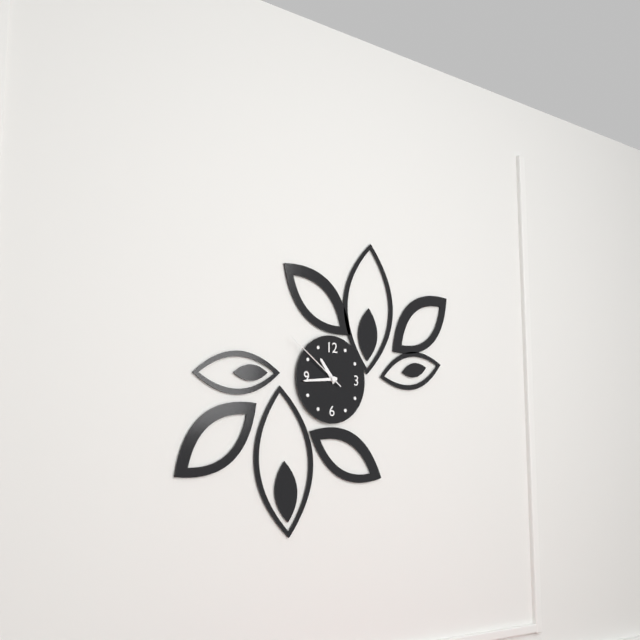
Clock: 10:44:51
